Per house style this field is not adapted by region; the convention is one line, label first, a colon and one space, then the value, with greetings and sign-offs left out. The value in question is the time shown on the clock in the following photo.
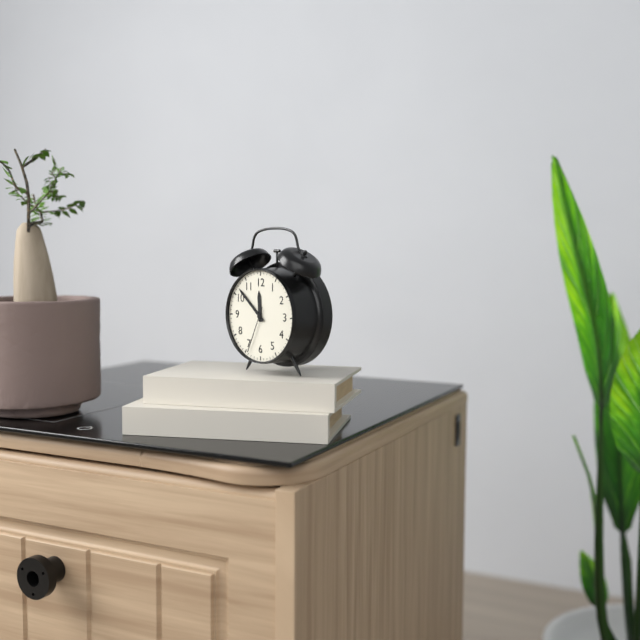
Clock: 11:52
